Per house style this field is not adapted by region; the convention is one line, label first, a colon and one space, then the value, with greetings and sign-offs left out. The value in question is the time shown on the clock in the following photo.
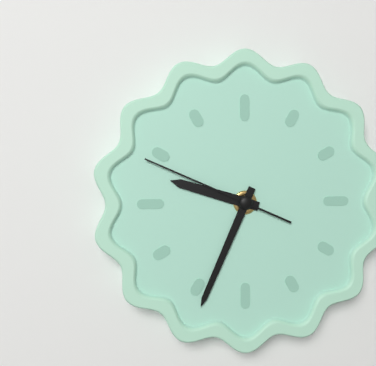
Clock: 9:34:49
